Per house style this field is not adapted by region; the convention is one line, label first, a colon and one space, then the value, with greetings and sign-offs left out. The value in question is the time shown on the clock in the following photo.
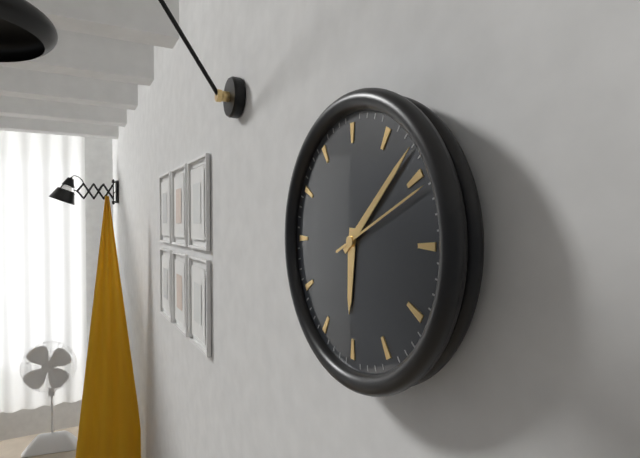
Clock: 6:08:11
